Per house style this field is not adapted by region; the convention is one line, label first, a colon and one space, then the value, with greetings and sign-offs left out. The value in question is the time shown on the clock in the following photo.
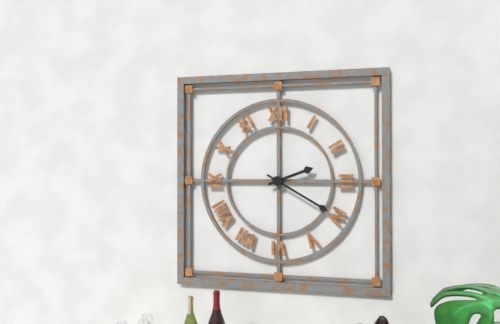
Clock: 2:20
